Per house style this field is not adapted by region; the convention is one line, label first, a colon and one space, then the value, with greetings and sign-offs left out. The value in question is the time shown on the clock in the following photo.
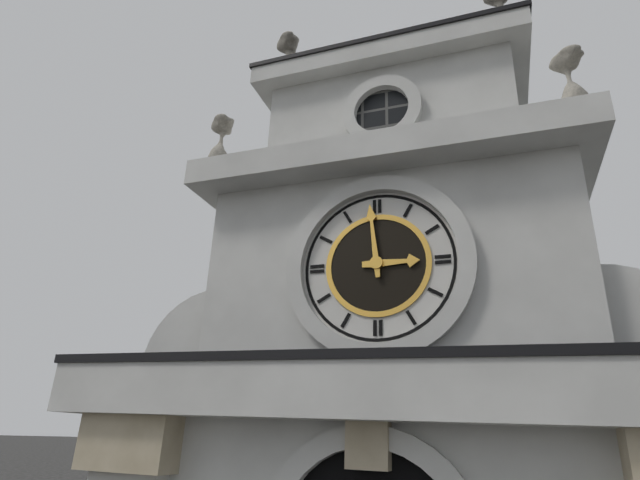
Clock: 2:59
